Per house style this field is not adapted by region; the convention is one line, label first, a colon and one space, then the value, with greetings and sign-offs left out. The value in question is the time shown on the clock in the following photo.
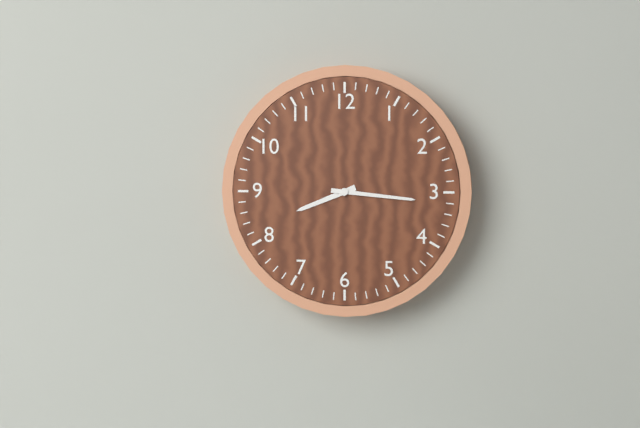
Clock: 8:16
